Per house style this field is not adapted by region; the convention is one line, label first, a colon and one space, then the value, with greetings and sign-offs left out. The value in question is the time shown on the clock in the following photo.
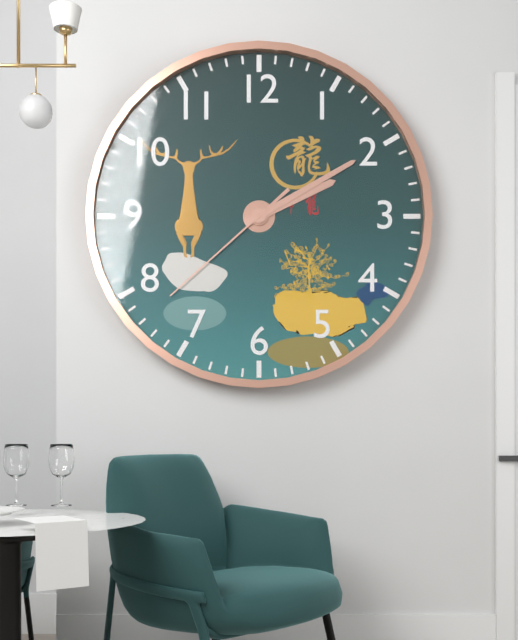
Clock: 2:10:38
